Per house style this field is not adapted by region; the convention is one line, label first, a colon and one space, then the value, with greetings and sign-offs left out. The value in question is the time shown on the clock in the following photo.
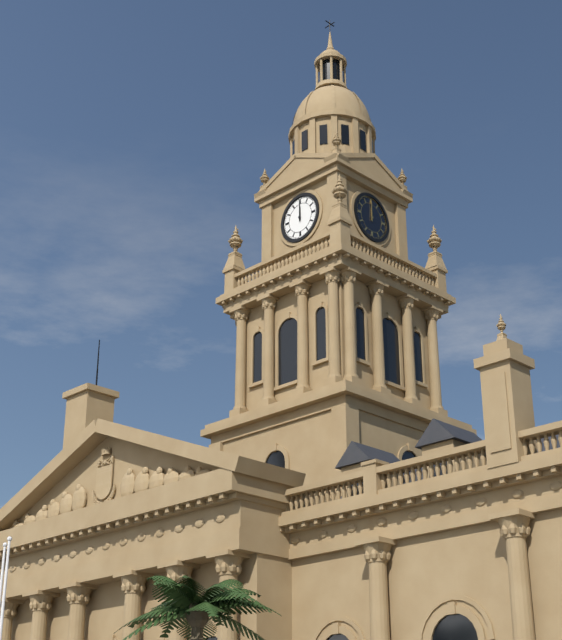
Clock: 12:00
